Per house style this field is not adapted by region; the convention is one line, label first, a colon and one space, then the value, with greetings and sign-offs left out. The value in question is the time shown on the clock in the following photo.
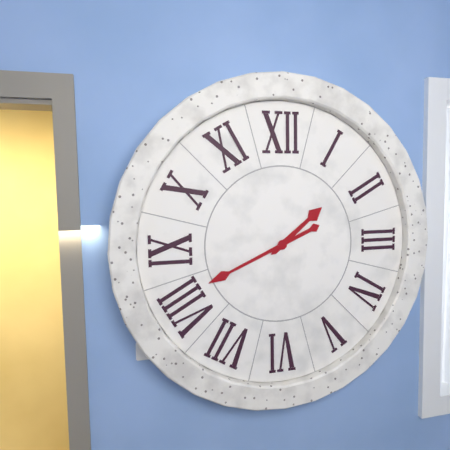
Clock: 1:41
